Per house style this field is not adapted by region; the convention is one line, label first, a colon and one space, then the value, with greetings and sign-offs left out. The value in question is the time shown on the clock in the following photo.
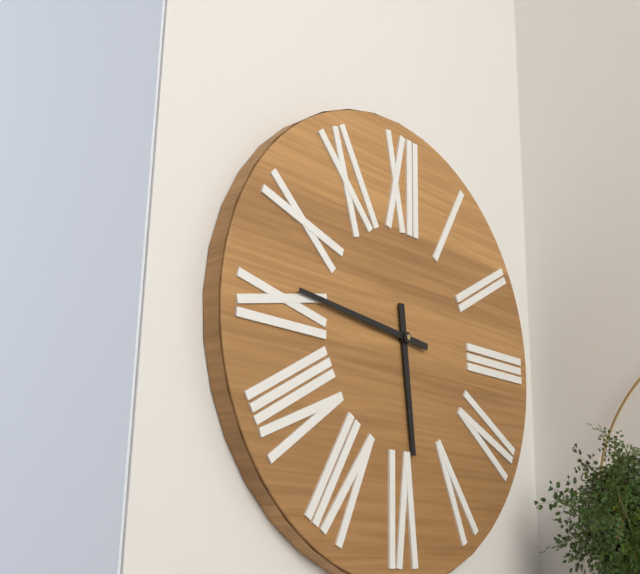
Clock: 5:46
